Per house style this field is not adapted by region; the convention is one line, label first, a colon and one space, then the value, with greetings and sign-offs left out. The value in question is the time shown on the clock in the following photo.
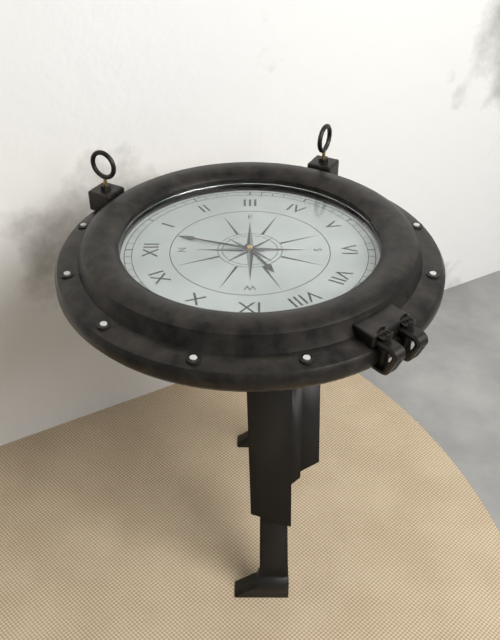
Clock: 8:03
